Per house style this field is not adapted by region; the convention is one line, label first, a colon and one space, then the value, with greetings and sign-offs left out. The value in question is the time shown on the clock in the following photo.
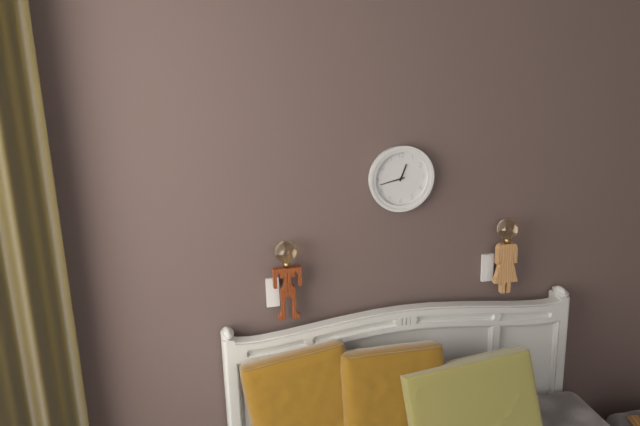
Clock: 12:43
